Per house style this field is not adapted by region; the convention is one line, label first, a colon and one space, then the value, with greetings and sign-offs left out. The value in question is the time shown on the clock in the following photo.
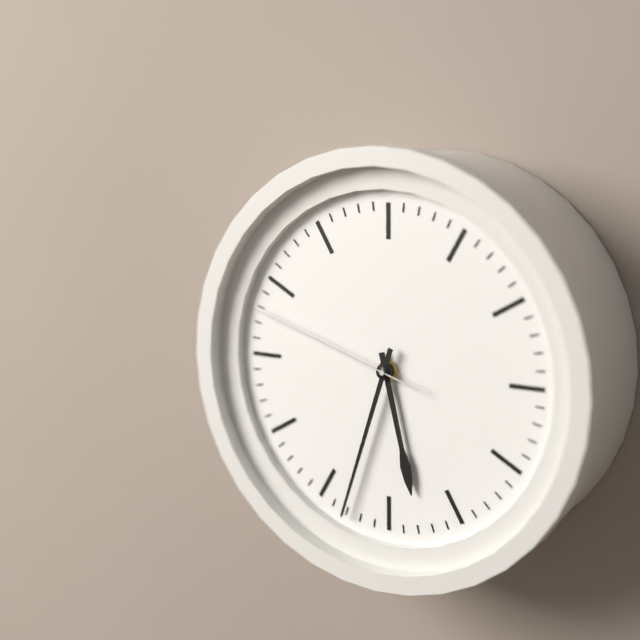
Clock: 5:33:48
